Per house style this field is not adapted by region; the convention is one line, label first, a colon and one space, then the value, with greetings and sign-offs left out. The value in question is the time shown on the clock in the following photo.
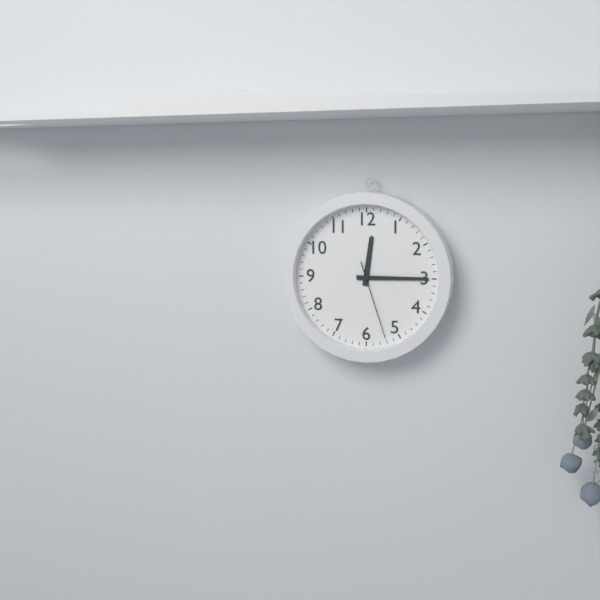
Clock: 12:15:27
